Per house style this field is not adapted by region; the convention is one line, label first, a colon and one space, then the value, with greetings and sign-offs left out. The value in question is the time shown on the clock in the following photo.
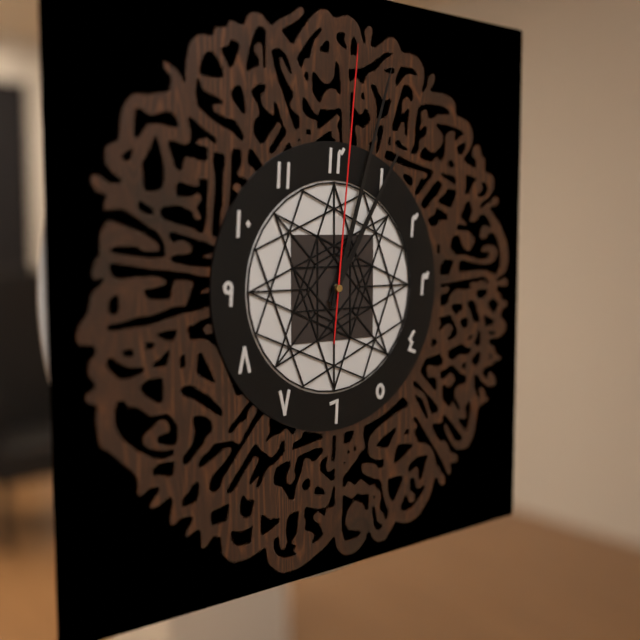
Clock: 1:03:01
